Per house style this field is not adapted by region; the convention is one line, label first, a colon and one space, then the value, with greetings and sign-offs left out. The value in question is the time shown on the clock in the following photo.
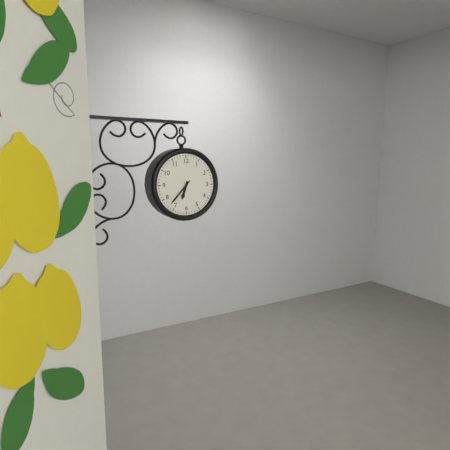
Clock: 6:37
